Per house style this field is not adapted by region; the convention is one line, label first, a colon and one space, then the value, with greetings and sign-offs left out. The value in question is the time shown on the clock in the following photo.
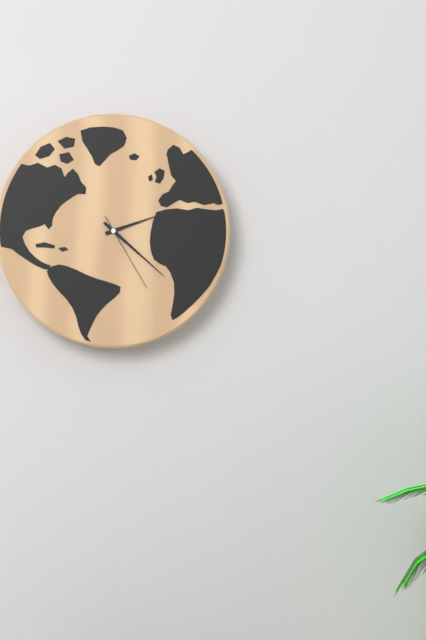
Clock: 2:22:25
